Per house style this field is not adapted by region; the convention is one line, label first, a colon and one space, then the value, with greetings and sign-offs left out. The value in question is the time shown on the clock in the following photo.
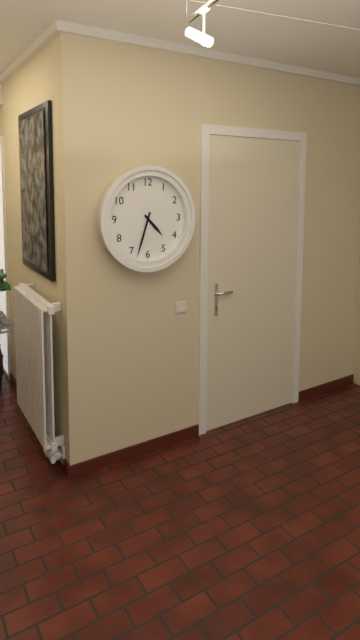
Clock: 4:33
